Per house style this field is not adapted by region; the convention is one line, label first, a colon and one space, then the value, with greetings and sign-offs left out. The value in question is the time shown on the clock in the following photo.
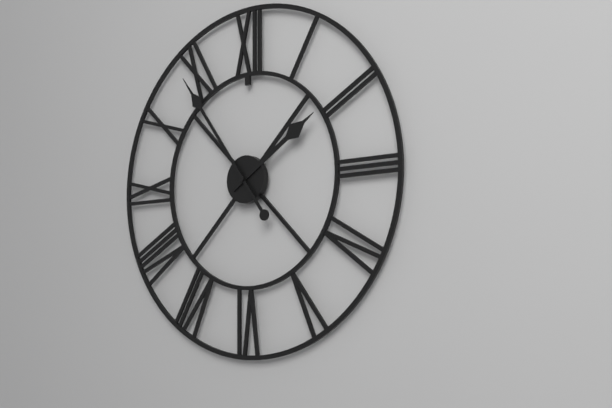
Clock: 1:54
